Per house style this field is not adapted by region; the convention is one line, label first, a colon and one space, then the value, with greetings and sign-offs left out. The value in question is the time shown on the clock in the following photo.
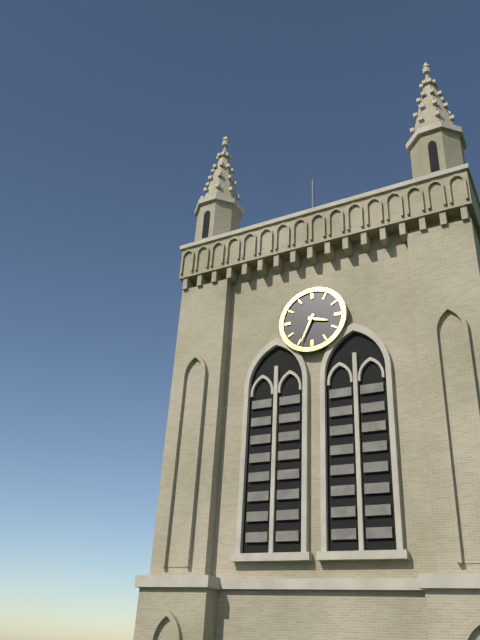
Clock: 3:34
